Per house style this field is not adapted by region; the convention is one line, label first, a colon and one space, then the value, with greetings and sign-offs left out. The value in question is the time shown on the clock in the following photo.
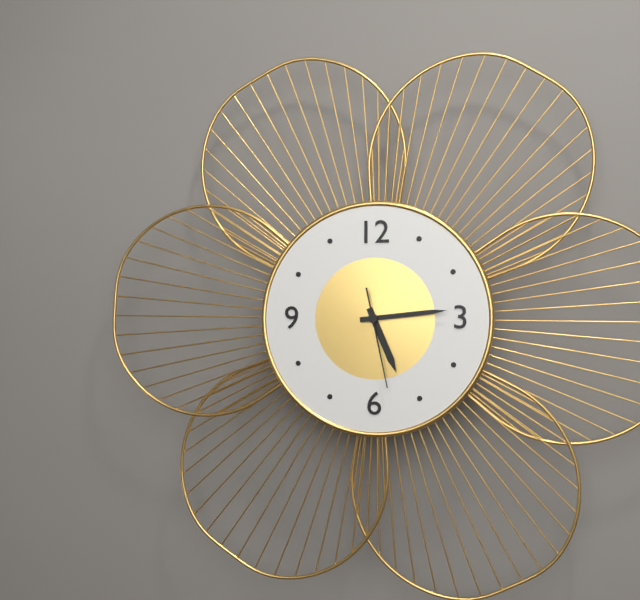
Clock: 5:14:28
